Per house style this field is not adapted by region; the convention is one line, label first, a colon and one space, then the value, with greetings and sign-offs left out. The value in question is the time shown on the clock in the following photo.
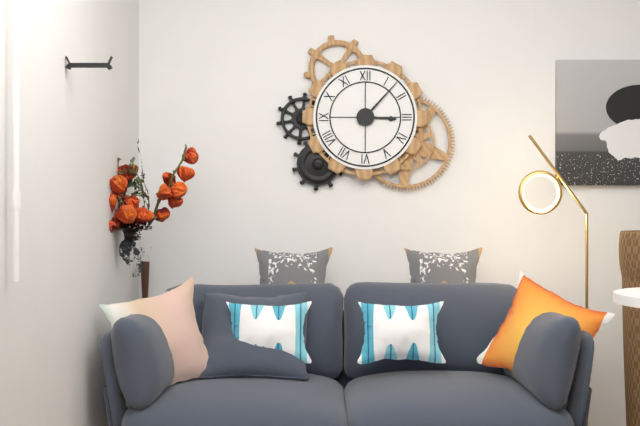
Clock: 3:07
